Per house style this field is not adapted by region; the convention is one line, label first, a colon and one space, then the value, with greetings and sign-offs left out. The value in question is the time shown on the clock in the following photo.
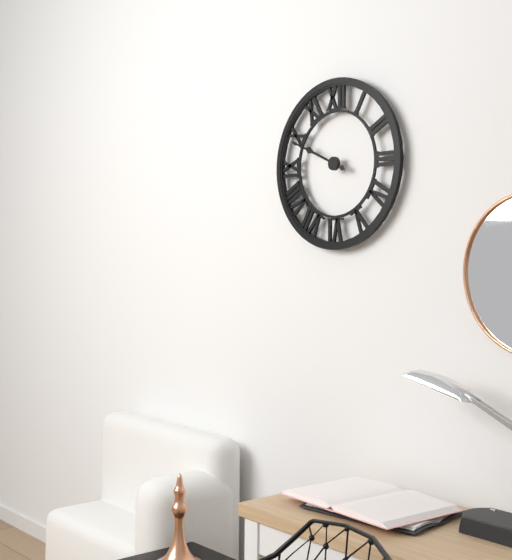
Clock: 9:49
